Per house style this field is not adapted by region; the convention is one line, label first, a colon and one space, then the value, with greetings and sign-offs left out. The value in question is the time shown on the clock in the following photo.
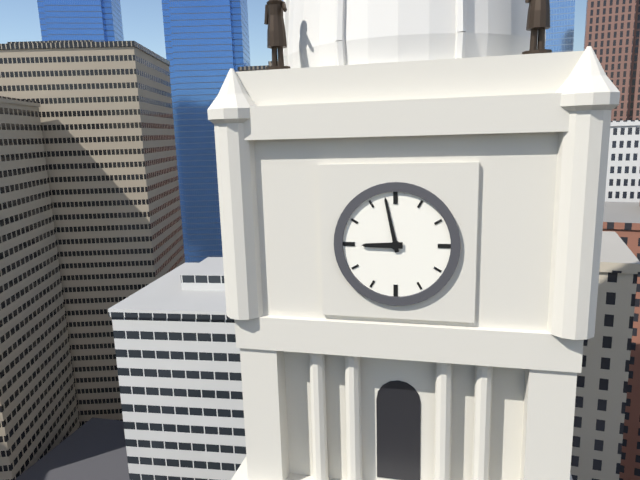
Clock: 8:58
